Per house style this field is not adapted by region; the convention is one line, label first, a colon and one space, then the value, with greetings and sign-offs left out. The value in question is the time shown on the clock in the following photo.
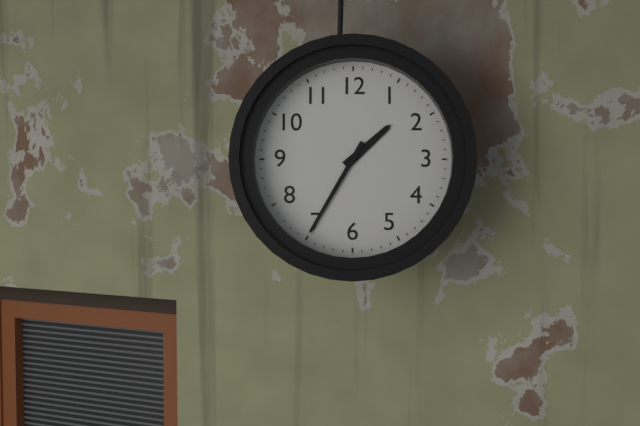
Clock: 1:35
